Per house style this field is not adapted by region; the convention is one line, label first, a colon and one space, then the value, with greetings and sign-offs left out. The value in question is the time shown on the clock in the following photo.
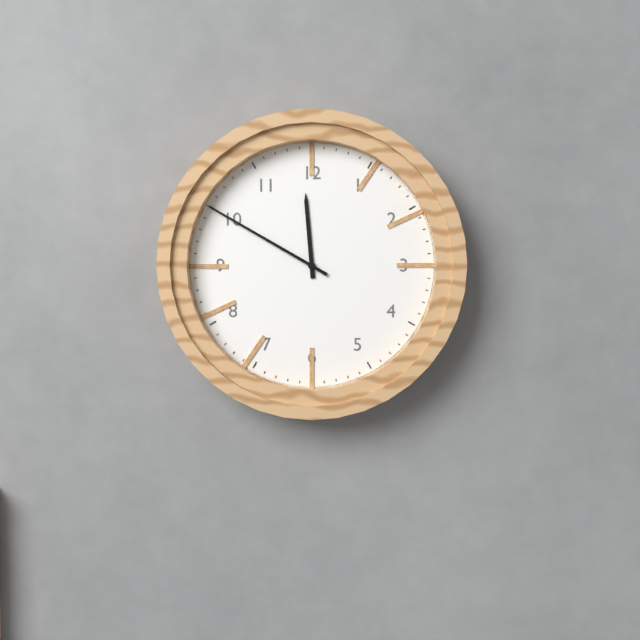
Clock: 11:50
